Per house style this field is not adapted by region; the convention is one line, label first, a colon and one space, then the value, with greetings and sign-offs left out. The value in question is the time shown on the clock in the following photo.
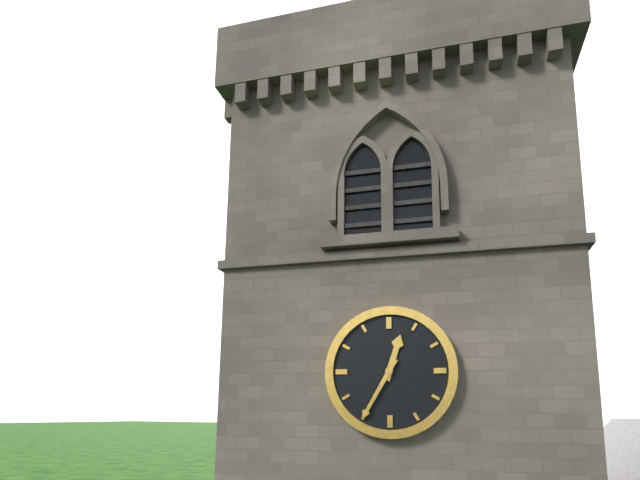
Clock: 12:35
